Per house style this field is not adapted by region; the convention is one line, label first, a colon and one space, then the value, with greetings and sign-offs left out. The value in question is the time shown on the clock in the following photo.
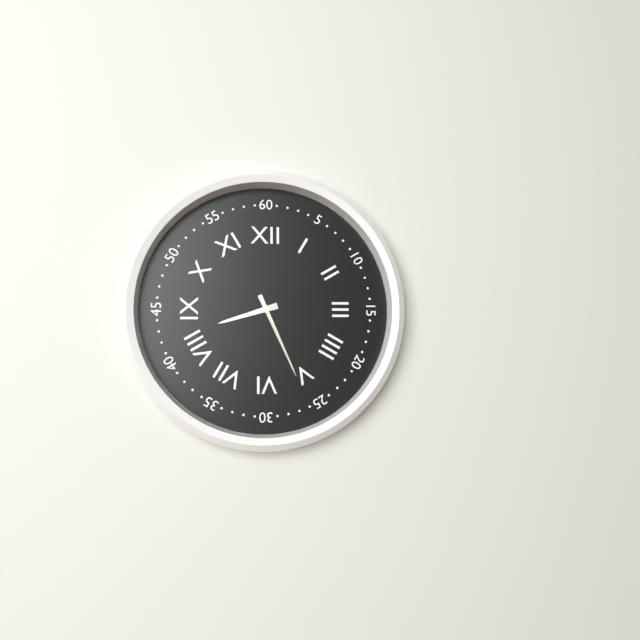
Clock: 8:26
